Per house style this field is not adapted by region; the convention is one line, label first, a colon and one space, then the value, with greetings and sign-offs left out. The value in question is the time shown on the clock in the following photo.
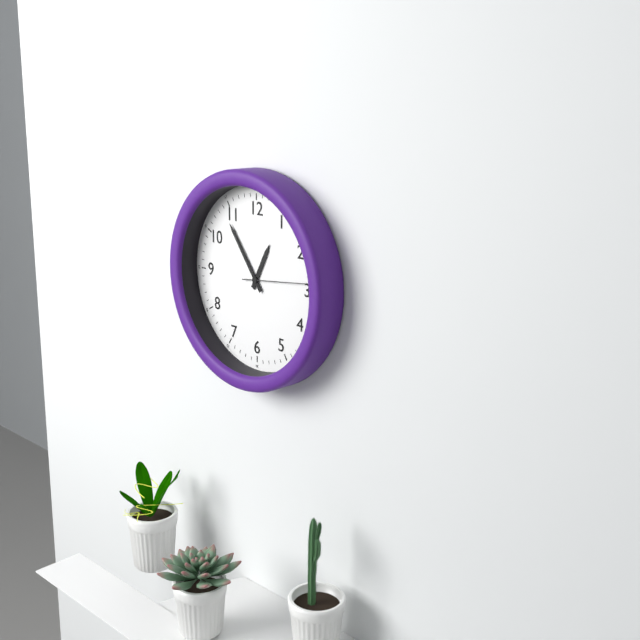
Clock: 12:54:14
